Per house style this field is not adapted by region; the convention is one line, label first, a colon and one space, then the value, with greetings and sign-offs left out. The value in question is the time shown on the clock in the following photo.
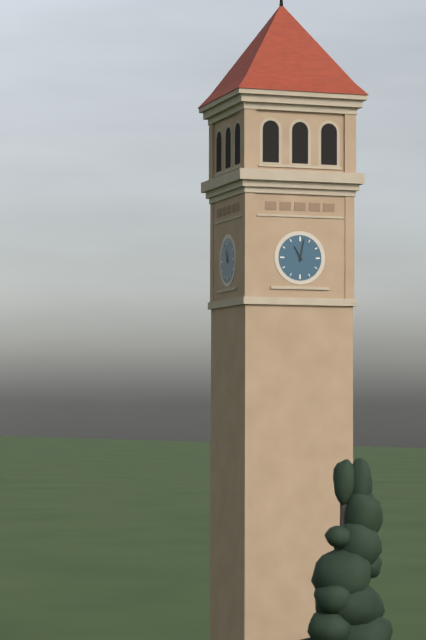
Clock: 11:02
